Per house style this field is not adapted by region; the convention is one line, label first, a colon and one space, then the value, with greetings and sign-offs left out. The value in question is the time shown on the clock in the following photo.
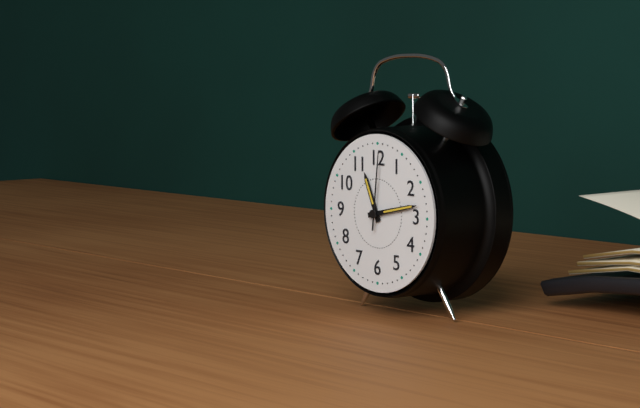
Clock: 11:13:01
